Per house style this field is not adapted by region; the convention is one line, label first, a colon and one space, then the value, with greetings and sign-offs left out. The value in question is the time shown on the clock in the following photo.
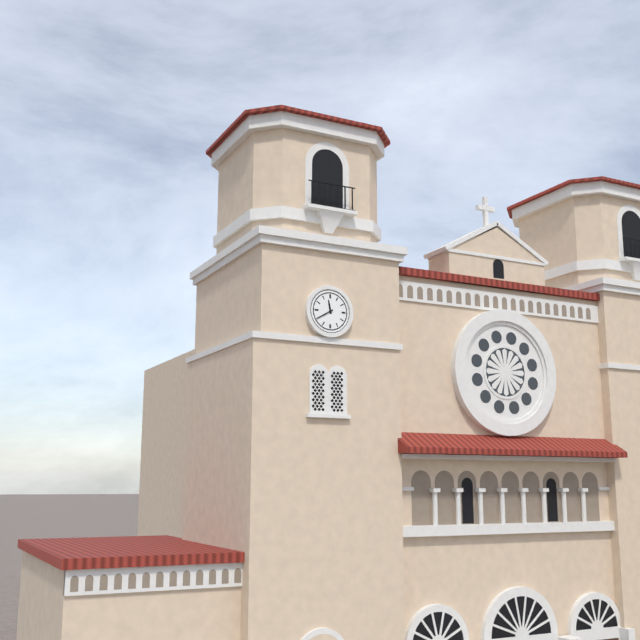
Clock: 11:40
